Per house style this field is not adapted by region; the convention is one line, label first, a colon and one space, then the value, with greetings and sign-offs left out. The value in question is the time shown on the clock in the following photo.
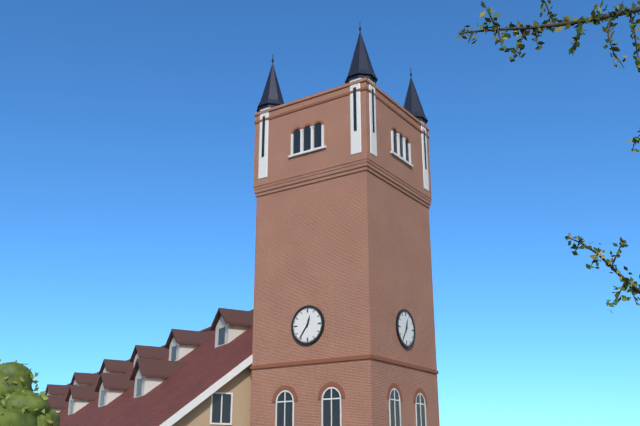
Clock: 12:36
